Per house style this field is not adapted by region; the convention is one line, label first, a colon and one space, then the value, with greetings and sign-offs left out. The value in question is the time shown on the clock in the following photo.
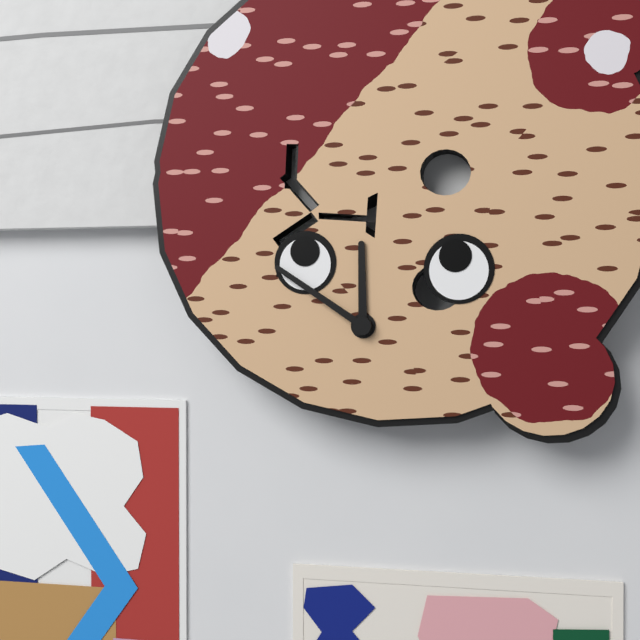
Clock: 11:50
